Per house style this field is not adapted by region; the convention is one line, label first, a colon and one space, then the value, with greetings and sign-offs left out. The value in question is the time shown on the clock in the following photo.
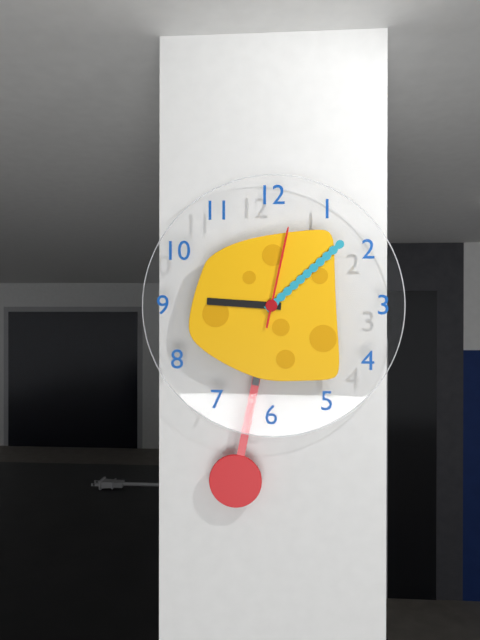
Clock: 9:08:02
